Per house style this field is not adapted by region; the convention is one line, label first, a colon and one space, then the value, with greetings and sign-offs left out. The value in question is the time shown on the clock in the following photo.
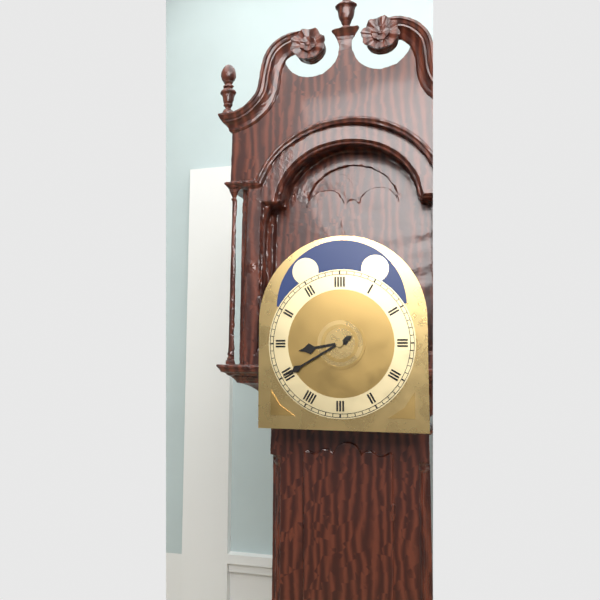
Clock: 8:40
